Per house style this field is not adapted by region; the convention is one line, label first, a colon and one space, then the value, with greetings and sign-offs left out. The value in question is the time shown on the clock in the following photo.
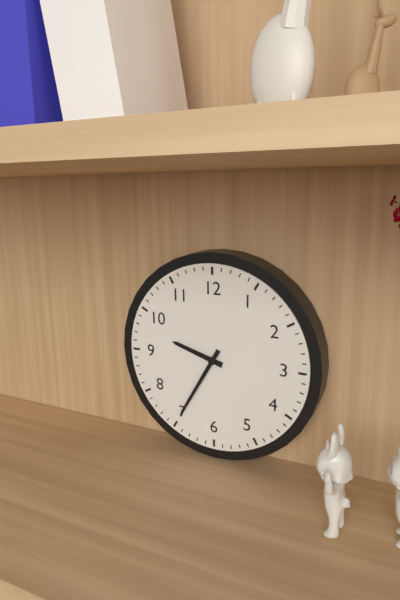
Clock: 9:35
